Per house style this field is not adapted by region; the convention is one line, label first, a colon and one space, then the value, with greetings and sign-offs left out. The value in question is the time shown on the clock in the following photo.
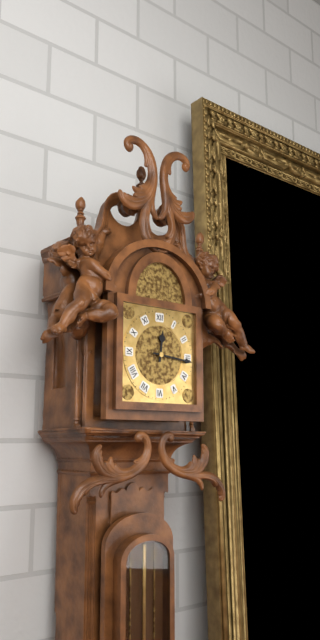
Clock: 12:16
